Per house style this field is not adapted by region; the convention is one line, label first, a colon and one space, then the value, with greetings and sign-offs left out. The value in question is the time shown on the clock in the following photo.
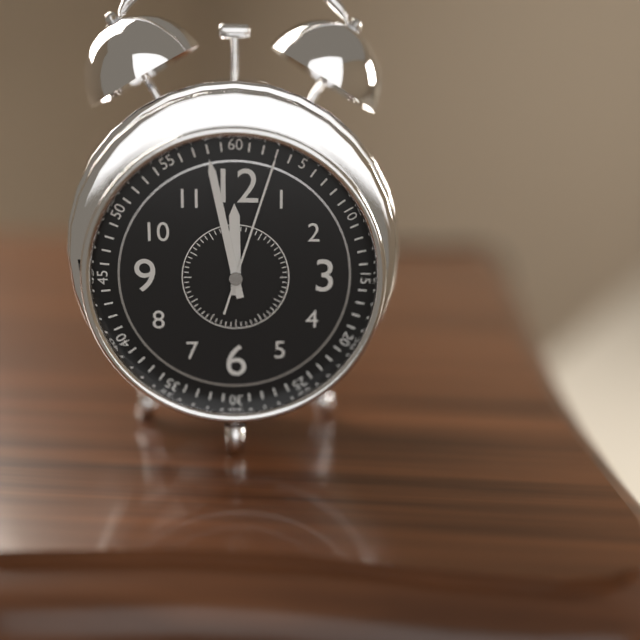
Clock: 11:58:03
